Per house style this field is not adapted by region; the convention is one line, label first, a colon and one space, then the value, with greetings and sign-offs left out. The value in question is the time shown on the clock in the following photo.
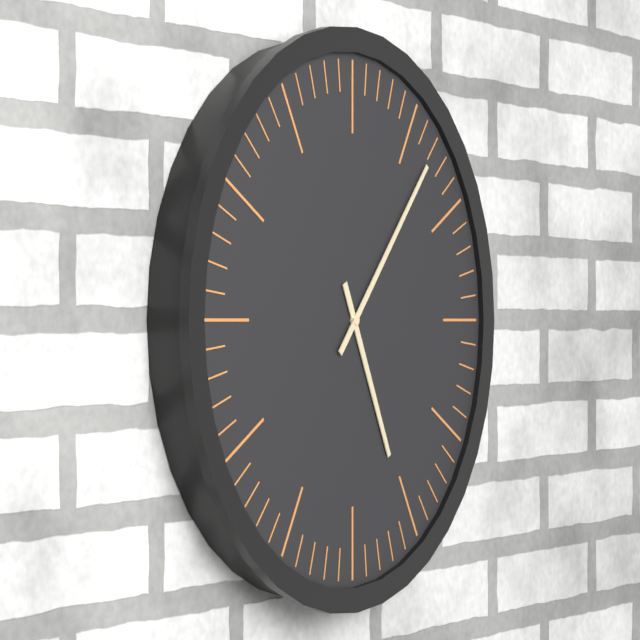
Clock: 5:07
